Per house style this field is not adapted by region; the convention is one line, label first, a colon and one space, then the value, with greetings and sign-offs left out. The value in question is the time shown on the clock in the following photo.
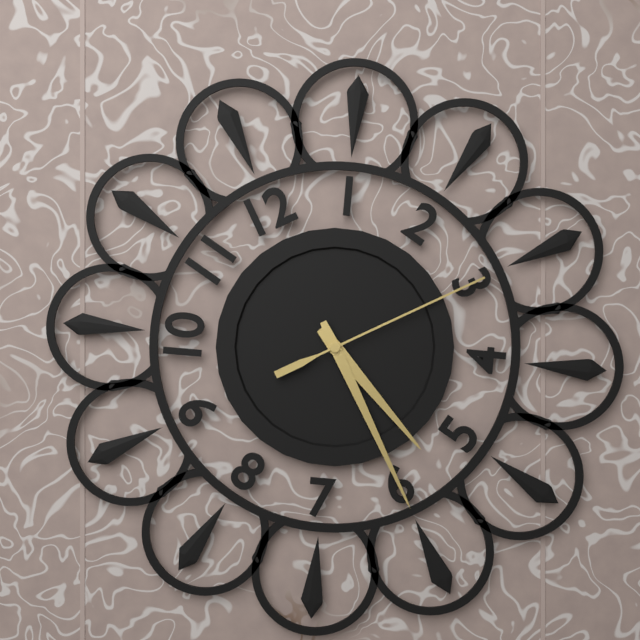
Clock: 5:30:15
